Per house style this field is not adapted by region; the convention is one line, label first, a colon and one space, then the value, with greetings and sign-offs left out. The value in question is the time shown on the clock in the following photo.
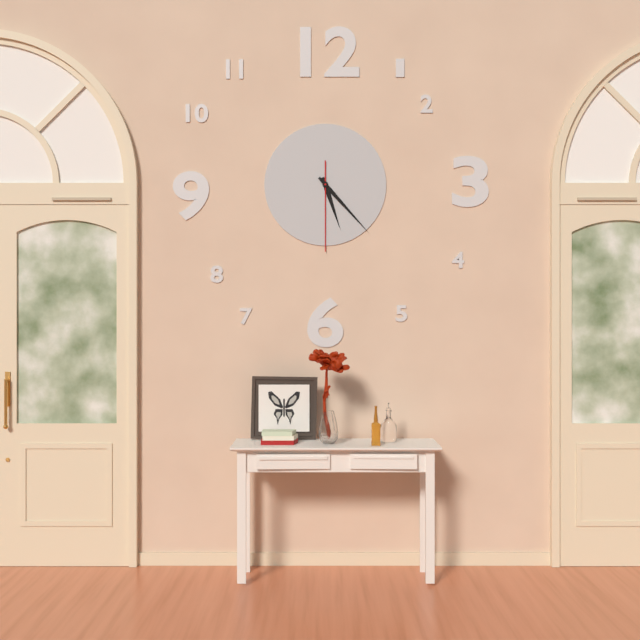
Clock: 5:23:30
